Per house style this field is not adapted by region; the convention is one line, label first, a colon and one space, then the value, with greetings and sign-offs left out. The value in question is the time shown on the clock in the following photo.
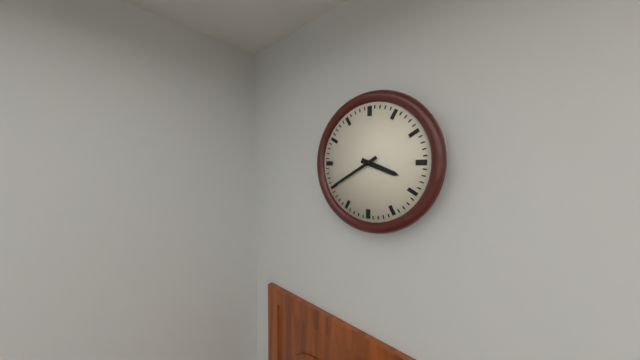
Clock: 3:40
